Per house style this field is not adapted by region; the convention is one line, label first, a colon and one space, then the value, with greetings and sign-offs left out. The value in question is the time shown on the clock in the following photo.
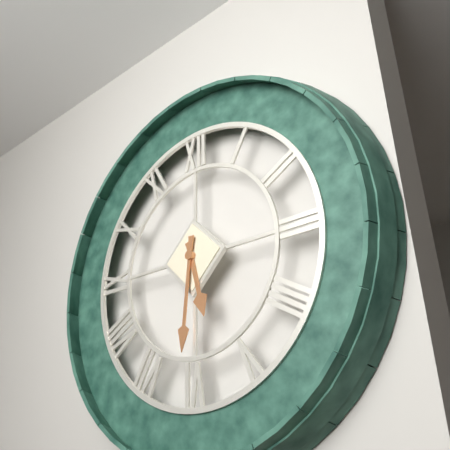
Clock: 5:31
